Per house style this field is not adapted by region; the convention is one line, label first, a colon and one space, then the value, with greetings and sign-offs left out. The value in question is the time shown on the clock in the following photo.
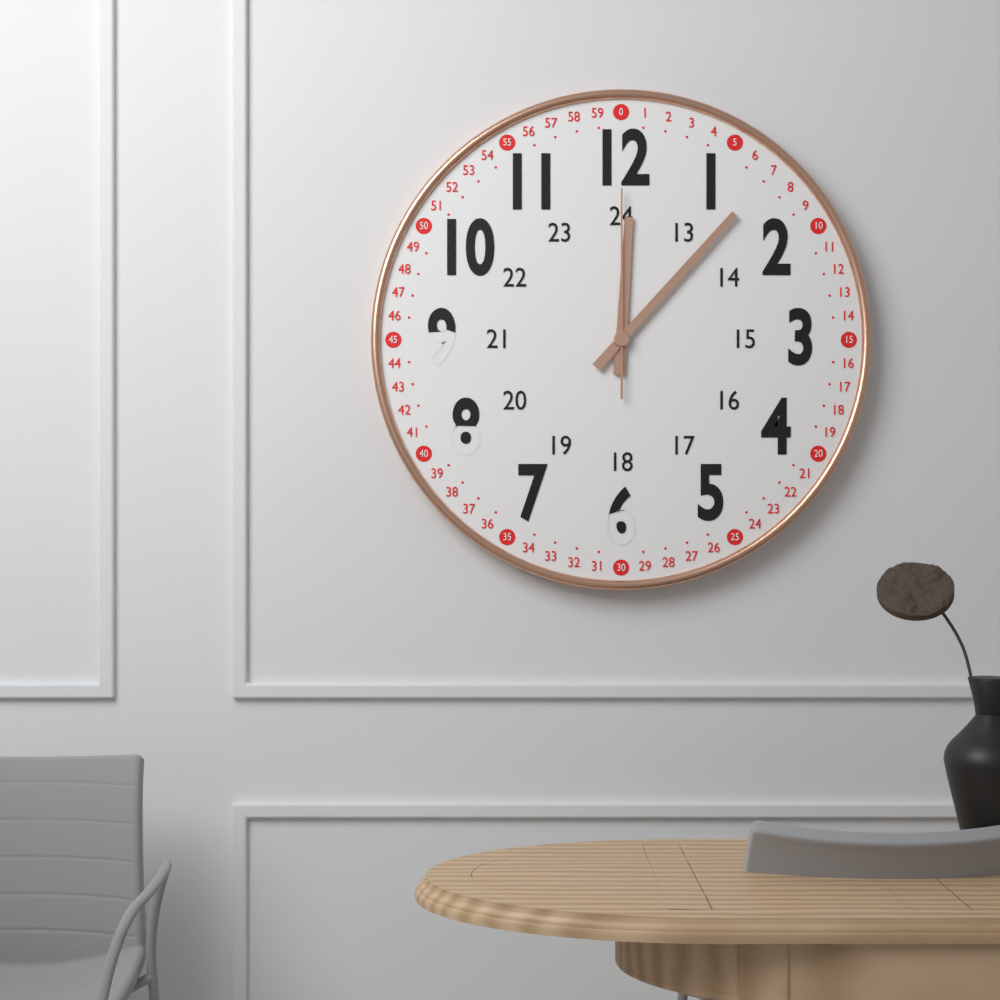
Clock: 12:07:00
